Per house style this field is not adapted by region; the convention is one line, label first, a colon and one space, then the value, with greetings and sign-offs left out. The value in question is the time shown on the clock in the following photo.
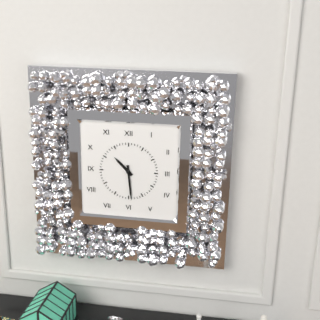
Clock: 10:29
